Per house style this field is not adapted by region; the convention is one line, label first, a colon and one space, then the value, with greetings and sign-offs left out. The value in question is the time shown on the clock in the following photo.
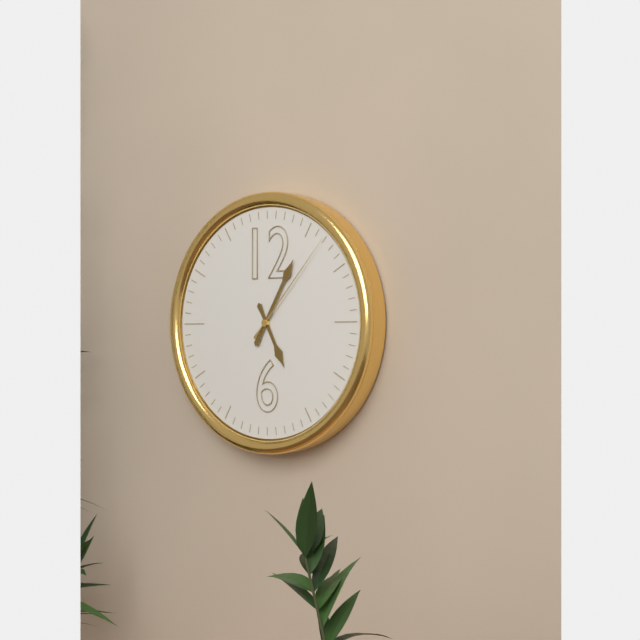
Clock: 5:05:07
